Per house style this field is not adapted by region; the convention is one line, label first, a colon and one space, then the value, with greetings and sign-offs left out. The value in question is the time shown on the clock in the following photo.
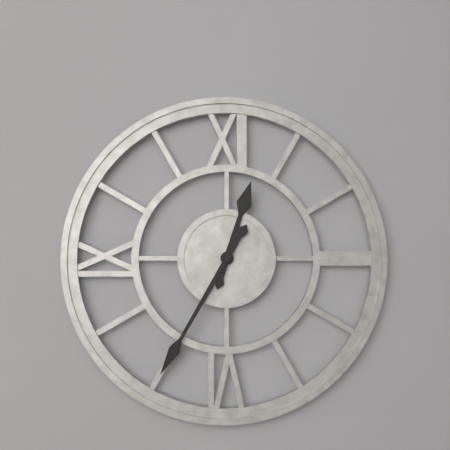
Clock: 12:35
